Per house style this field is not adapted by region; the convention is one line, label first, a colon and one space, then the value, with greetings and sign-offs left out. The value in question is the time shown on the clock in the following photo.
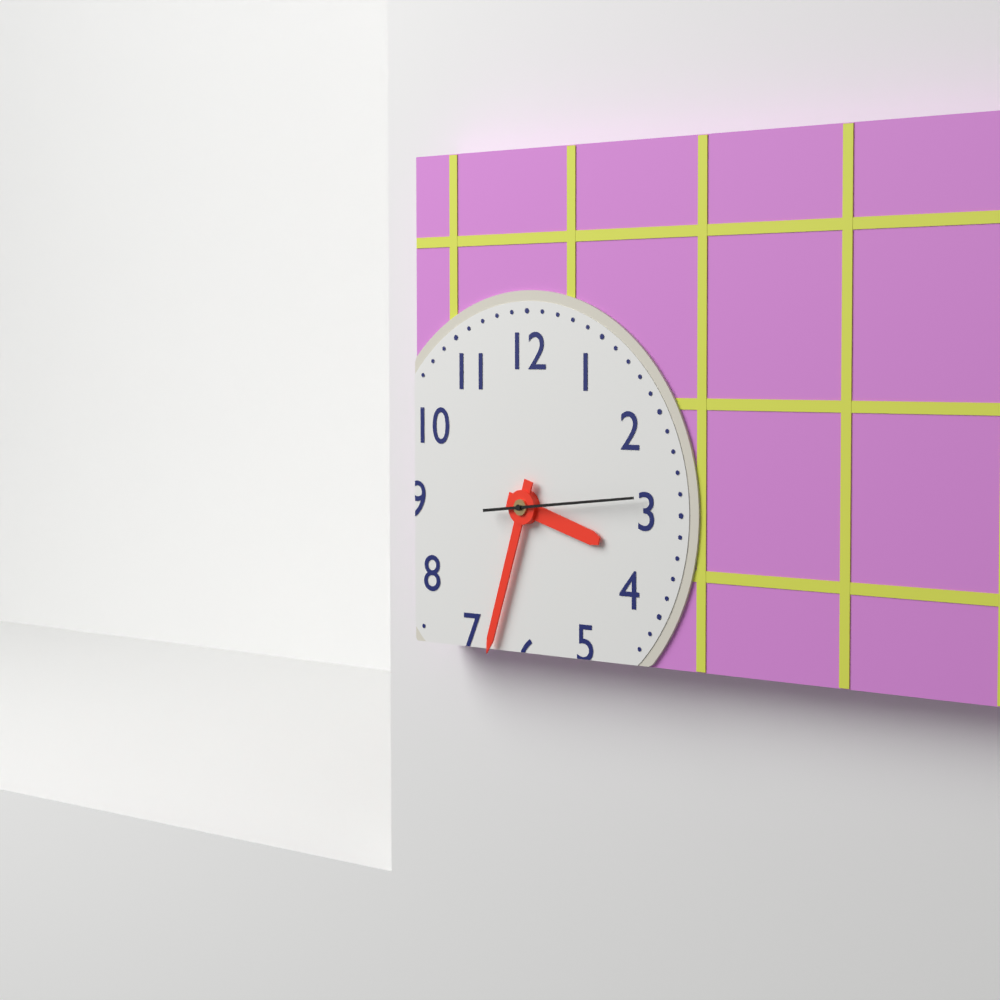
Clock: 3:33:14
